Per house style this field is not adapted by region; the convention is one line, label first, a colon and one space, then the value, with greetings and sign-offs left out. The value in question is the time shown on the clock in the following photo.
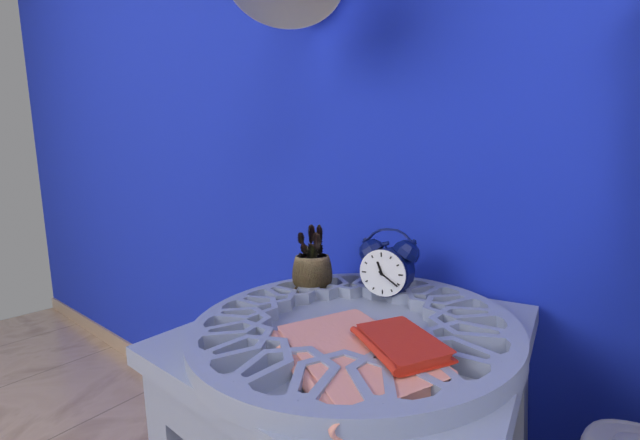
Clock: 11:21
